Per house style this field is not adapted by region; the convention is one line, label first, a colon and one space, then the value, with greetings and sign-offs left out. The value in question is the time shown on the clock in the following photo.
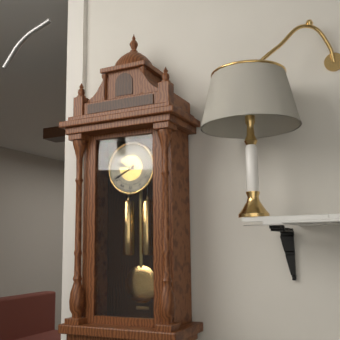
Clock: 9:40
